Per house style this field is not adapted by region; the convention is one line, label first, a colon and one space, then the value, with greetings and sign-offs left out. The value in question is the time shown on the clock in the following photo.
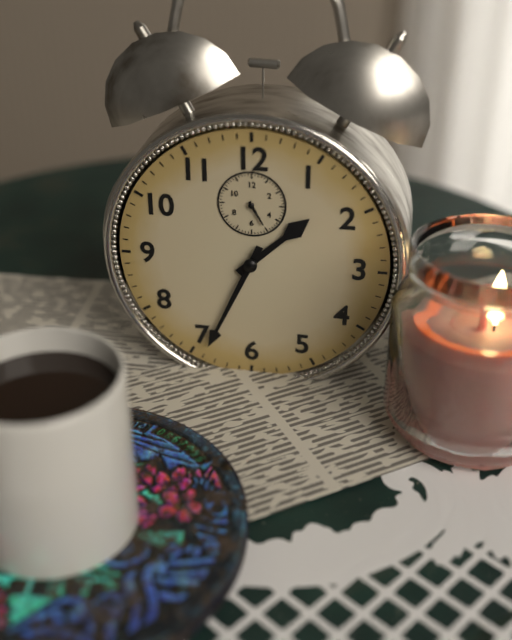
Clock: 1:34
